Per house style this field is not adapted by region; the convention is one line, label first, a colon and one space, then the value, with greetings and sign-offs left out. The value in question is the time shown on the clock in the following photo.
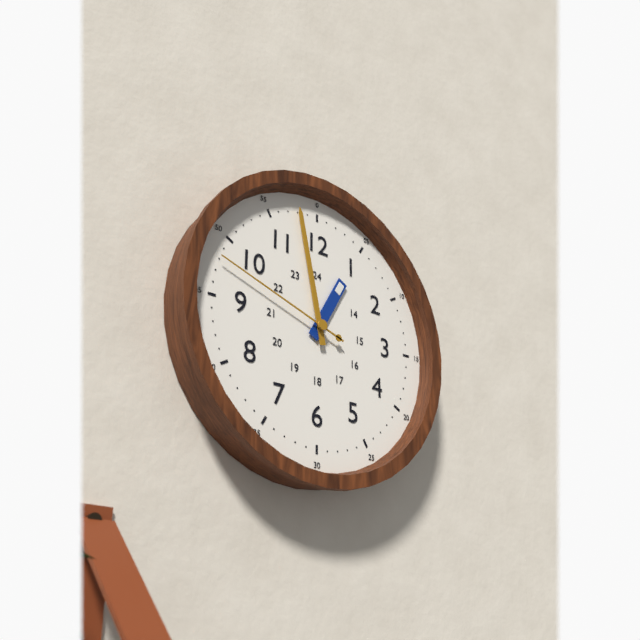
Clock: 12:58:48
